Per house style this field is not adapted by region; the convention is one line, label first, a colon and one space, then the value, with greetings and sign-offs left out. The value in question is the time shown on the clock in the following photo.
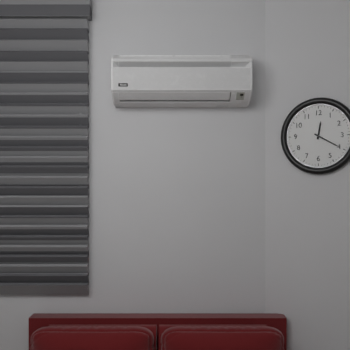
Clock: 12:20
